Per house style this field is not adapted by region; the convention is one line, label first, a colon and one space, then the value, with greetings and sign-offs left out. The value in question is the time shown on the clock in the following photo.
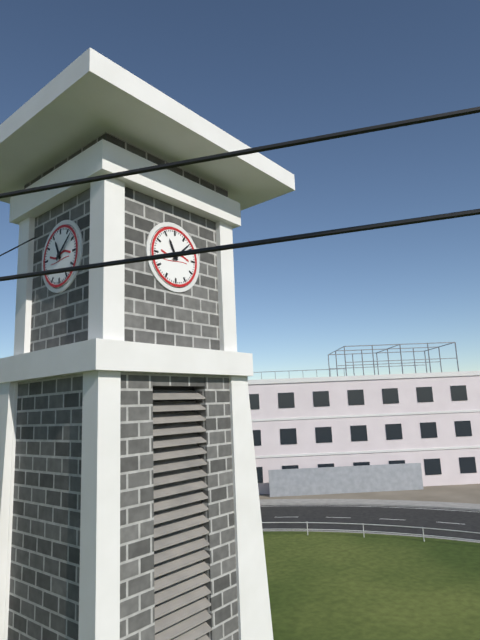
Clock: 11:08
